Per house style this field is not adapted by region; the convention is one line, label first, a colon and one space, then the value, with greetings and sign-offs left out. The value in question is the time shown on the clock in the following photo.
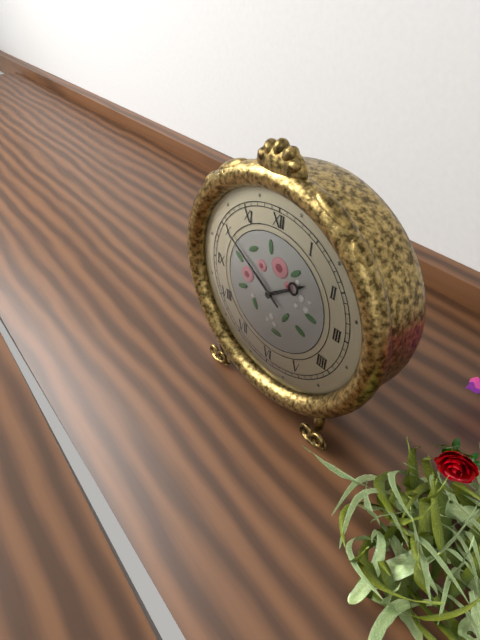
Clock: 1:50
